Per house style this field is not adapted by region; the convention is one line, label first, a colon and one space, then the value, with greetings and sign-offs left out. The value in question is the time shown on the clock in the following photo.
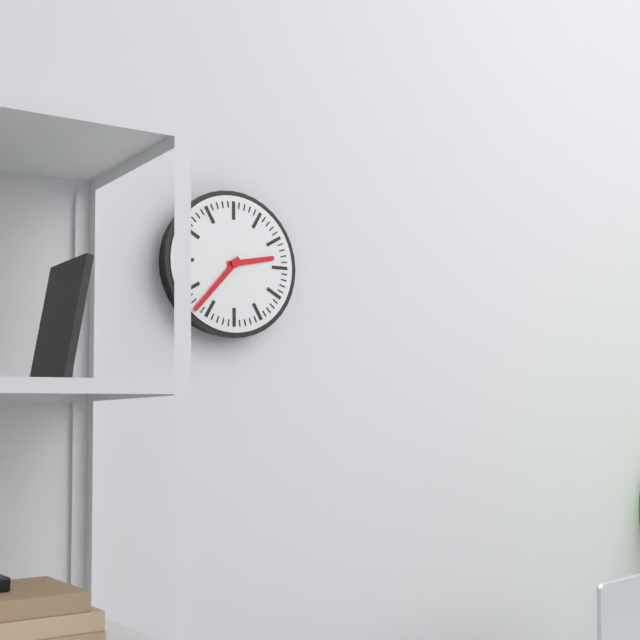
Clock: 2:37
